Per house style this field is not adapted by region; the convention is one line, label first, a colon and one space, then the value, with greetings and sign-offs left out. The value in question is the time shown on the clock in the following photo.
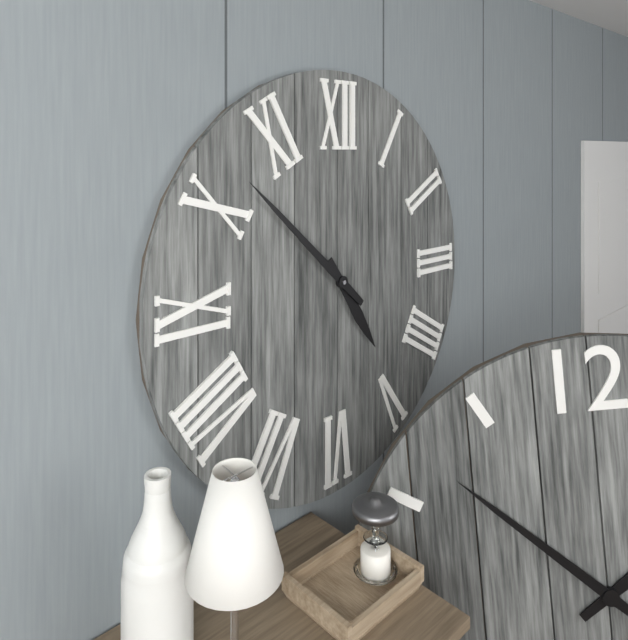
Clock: 4:52
